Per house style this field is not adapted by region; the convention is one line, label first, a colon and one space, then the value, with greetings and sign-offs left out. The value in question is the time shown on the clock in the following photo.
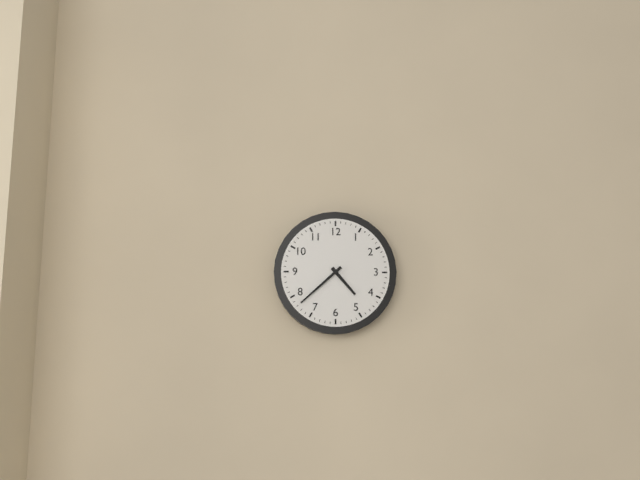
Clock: 4:38
